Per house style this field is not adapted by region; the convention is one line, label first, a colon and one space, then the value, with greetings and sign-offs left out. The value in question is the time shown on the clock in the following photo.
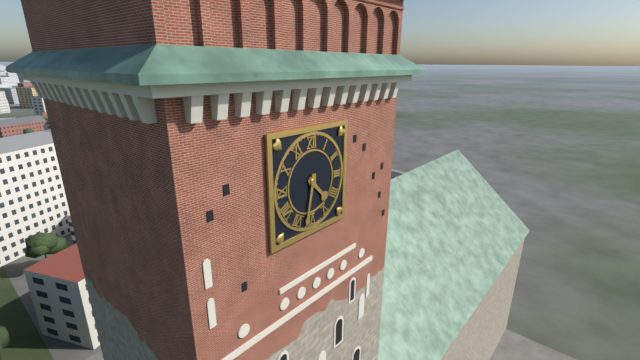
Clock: 4:32
